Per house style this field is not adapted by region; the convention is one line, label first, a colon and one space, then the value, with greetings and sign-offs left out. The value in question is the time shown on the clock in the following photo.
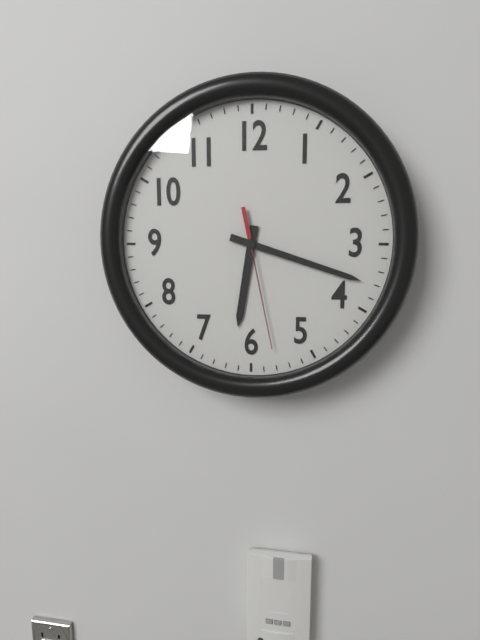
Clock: 6:18:28
